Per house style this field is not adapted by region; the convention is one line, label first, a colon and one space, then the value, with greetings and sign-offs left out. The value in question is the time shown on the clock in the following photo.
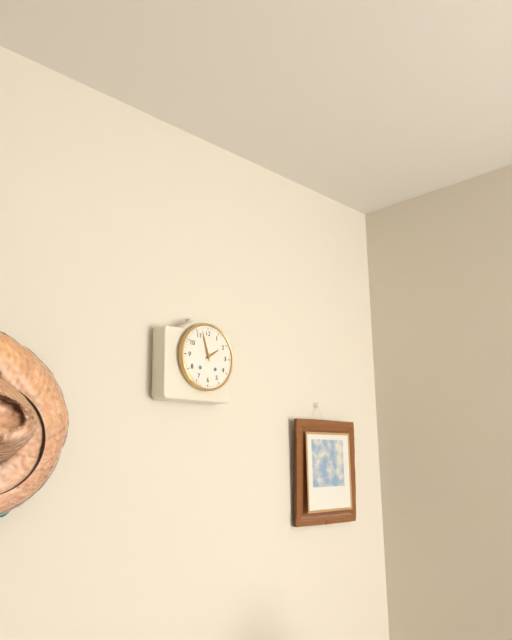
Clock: 1:57
